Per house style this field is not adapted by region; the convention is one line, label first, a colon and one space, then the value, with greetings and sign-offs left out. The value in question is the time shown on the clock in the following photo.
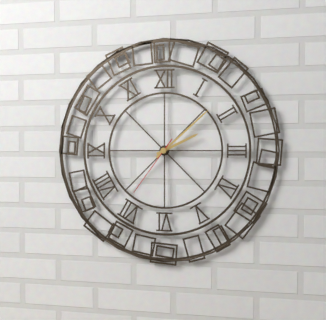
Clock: 2:08:36
